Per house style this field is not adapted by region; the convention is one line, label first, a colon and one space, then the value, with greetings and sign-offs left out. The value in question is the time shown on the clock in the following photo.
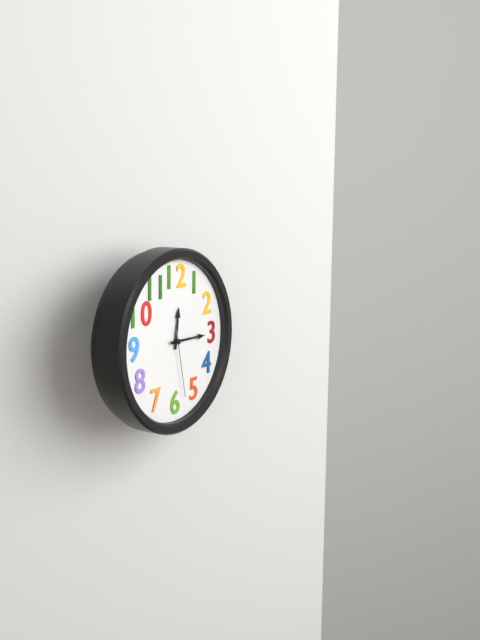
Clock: 12:15:28
